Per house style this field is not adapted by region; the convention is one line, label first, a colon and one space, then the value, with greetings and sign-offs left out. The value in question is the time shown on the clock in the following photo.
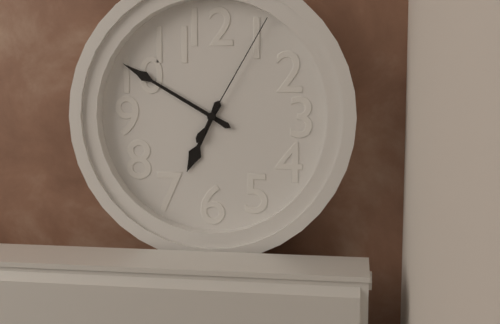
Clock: 6:50:05
